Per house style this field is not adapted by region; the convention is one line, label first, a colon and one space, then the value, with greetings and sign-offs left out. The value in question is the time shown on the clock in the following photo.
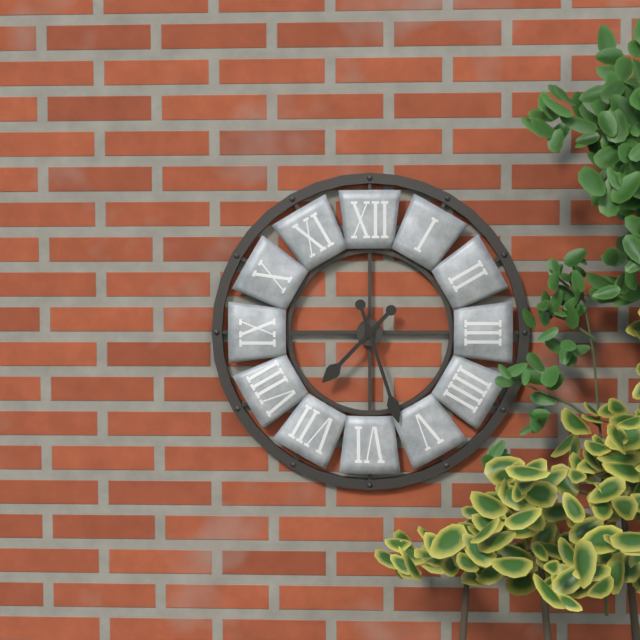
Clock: 7:27
